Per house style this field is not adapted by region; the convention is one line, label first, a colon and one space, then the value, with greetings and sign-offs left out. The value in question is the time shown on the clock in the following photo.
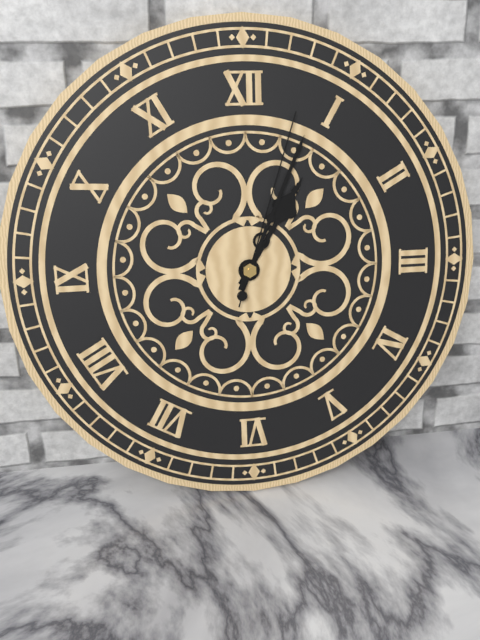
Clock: 1:04:03
